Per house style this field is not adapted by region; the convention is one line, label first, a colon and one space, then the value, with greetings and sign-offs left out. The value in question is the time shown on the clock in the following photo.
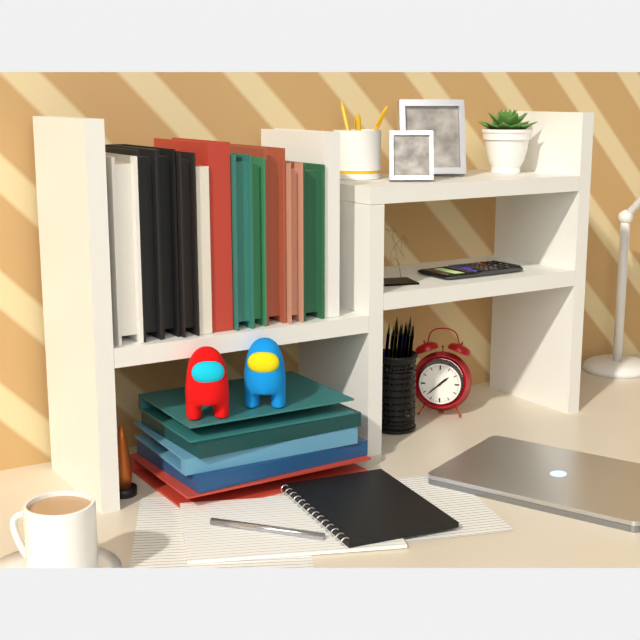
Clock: 1:38
